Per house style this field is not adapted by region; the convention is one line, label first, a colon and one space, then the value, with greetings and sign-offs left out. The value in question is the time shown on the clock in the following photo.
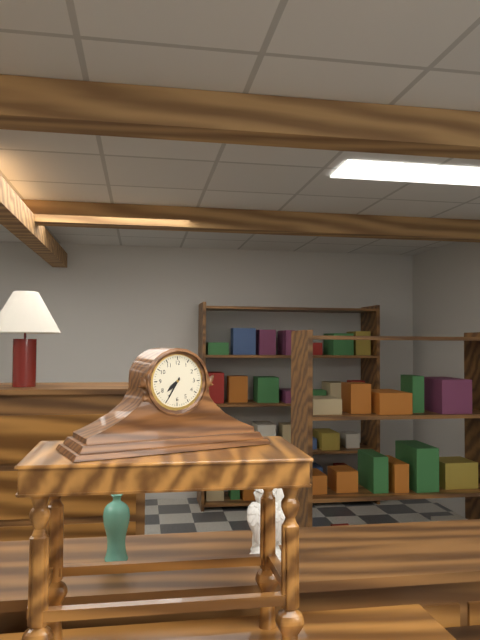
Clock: 7:35
